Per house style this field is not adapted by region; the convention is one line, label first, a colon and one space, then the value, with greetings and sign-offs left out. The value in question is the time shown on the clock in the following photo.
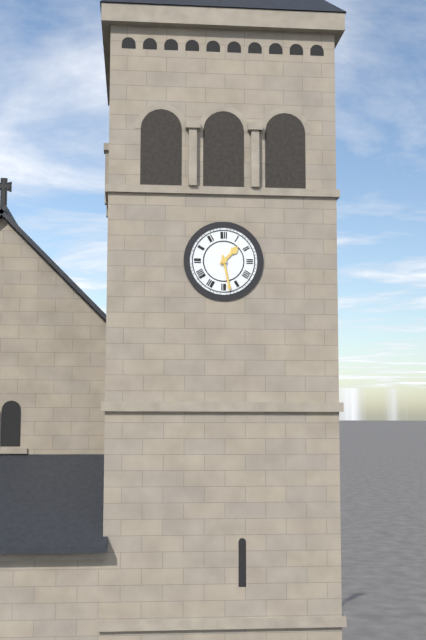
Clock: 1:28
